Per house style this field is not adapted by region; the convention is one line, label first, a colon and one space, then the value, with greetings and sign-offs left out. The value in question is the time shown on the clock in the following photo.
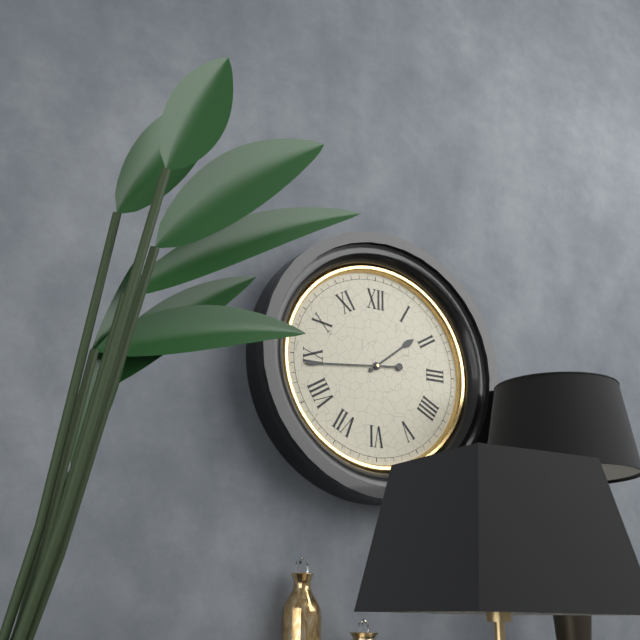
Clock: 1:44
